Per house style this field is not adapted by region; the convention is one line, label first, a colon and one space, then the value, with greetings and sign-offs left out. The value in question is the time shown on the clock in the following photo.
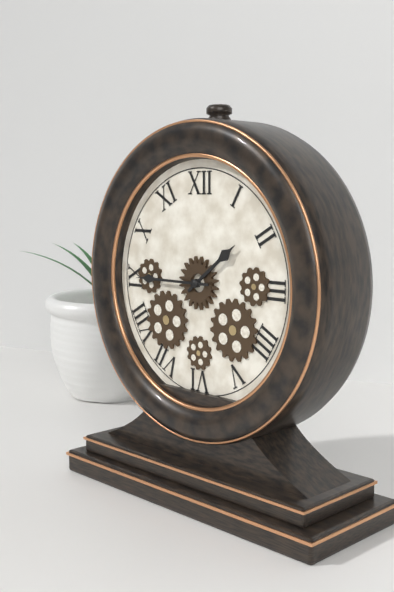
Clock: 1:45
